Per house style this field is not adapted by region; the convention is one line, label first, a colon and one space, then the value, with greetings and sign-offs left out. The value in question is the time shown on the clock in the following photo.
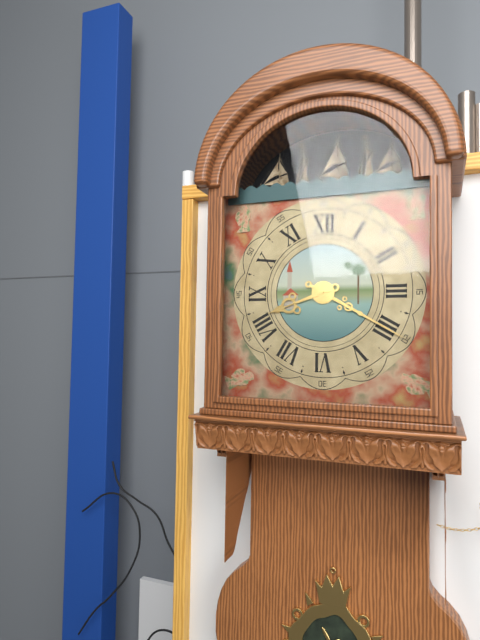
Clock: 8:20
